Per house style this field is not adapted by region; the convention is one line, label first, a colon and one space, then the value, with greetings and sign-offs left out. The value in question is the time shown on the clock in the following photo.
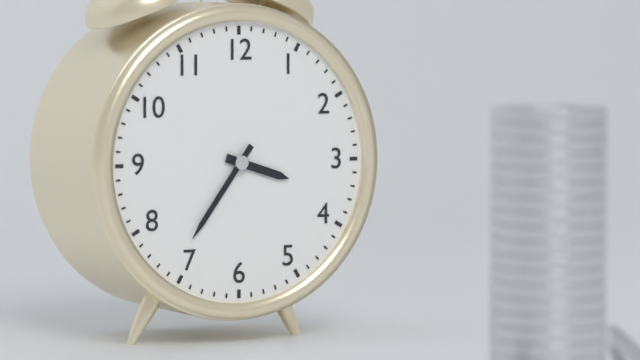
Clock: 3:36
